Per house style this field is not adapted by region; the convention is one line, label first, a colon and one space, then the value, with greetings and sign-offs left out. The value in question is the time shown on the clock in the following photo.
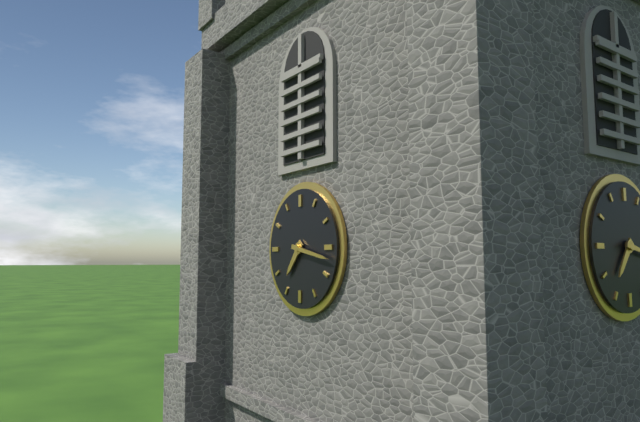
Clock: 7:17
